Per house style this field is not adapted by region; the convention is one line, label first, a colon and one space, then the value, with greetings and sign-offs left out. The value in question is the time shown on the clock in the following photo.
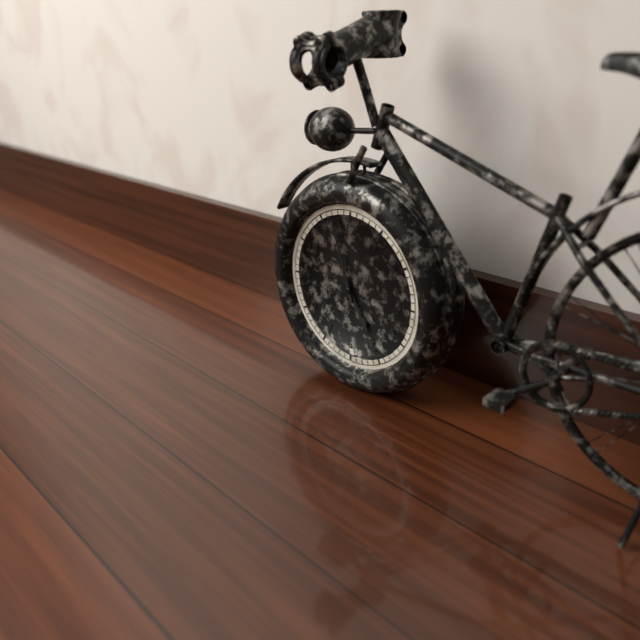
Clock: 4:57
